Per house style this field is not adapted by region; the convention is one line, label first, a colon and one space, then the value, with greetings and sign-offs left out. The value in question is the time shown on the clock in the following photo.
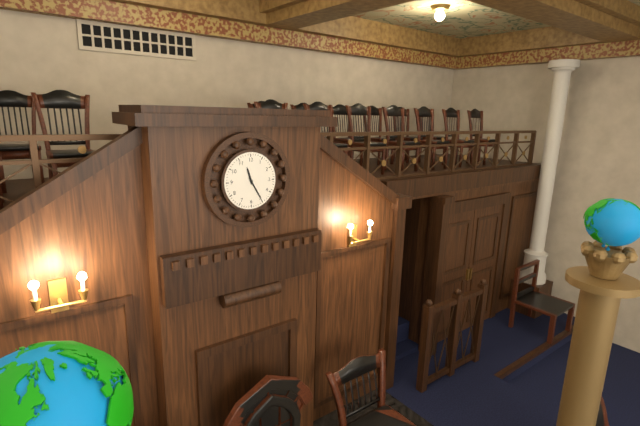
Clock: 11:25
